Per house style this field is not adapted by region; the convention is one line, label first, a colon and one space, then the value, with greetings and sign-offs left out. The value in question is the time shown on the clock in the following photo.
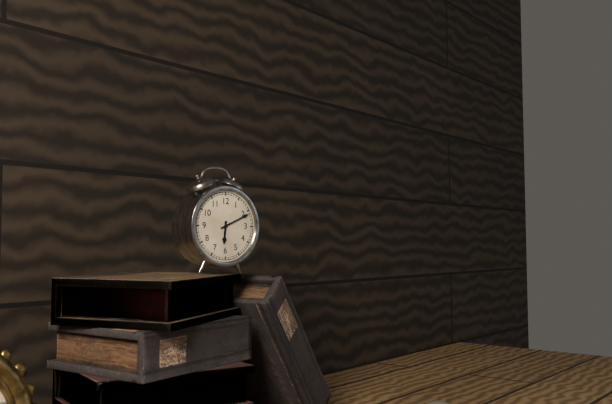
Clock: 6:11
